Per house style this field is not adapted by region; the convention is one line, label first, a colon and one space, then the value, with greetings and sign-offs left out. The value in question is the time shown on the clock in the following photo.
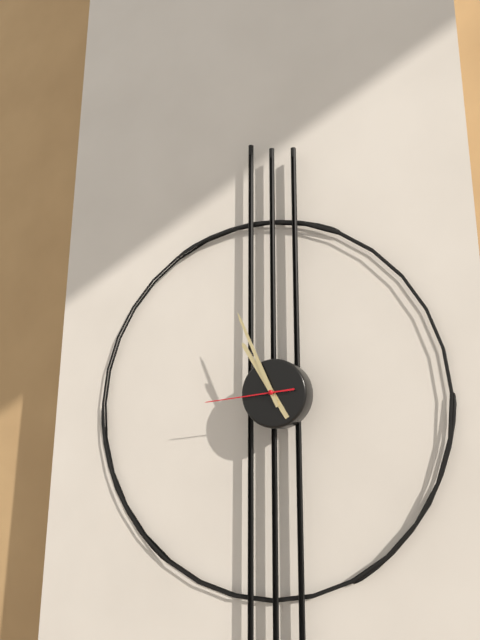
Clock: 10:56:44
